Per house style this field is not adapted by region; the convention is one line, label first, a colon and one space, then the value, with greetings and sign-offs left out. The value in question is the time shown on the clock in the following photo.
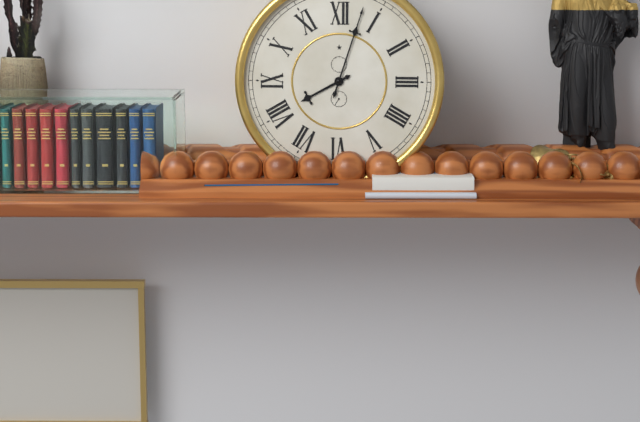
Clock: 8:03
